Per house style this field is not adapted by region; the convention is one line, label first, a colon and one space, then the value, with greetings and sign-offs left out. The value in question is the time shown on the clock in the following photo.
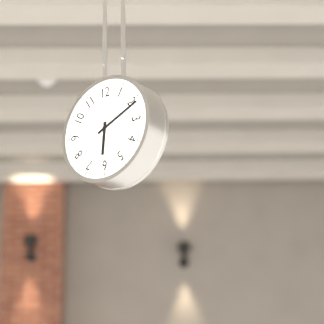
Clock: 6:11
